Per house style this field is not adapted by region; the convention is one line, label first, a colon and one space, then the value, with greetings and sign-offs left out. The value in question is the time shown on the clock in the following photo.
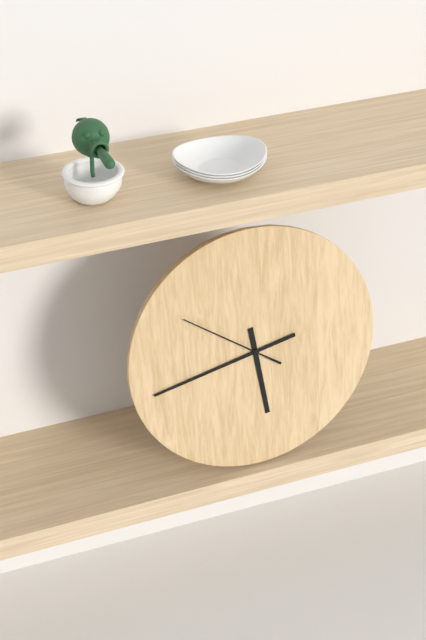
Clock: 5:43:51
